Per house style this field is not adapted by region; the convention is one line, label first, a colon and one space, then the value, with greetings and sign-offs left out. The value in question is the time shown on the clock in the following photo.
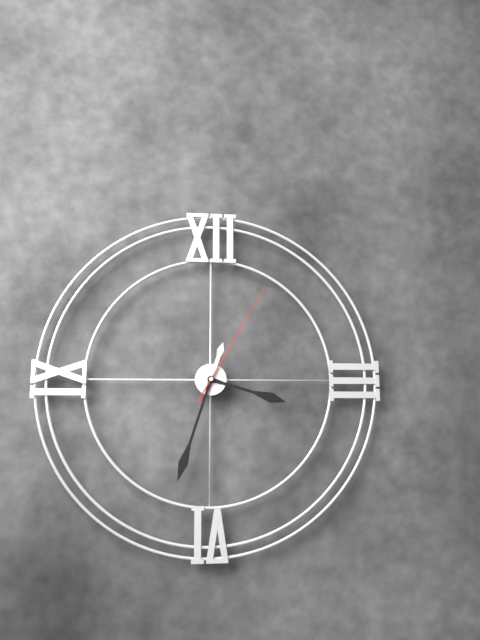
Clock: 3:33:05
